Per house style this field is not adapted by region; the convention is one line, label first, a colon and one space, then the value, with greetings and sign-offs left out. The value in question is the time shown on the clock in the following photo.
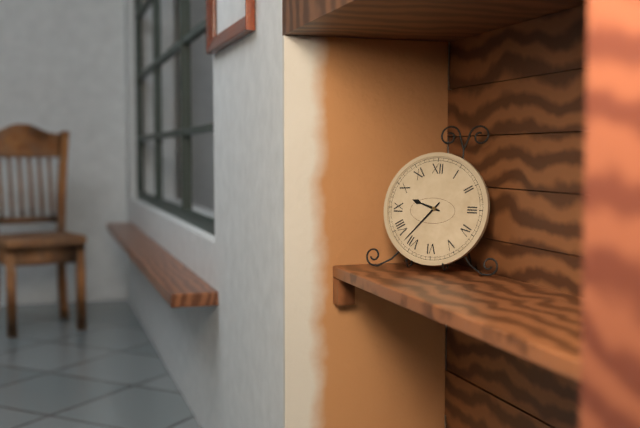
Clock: 9:37
